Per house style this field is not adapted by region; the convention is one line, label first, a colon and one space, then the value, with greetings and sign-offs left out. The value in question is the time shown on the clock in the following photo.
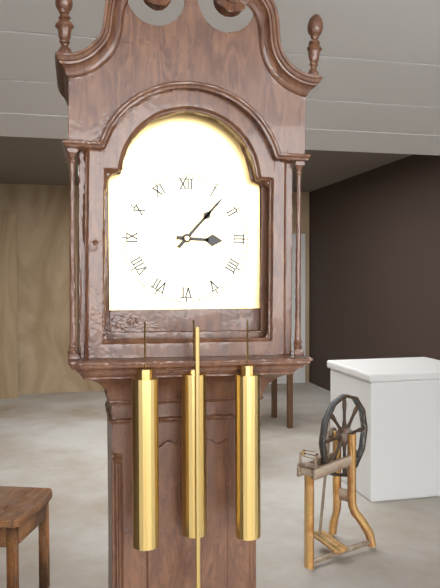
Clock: 3:07
